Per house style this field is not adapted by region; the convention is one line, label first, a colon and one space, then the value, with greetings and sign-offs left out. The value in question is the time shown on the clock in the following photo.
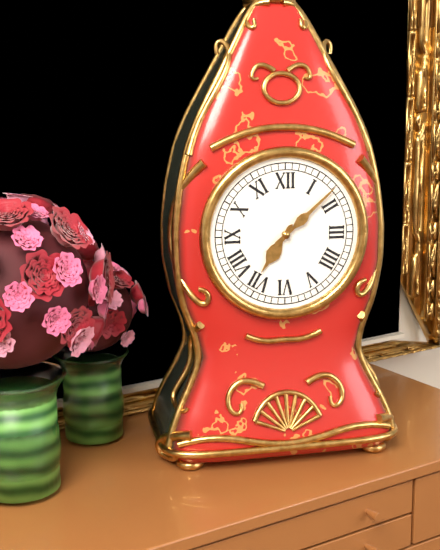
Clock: 7:08
